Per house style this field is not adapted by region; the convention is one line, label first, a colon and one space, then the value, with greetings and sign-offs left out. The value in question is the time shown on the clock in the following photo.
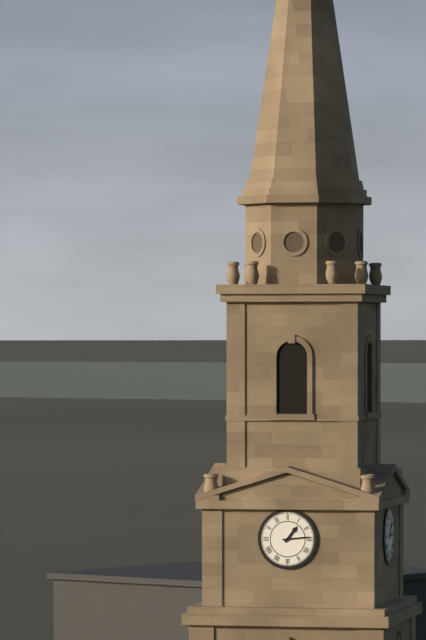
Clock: 1:14
